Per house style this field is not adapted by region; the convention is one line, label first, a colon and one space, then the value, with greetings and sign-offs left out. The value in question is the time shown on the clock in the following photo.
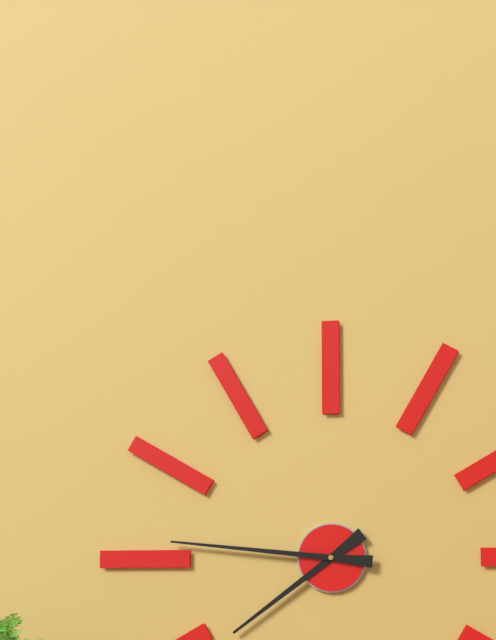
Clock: 7:46
